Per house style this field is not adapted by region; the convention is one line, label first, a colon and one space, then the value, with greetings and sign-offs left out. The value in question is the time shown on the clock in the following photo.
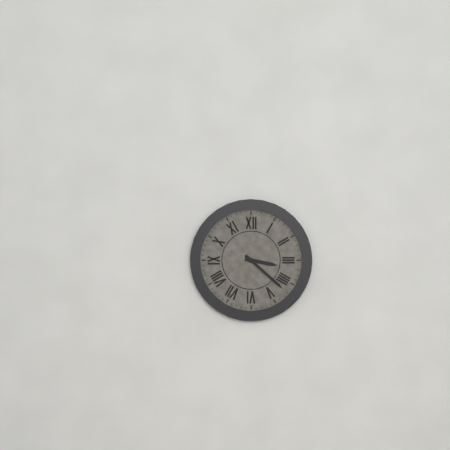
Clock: 3:22
